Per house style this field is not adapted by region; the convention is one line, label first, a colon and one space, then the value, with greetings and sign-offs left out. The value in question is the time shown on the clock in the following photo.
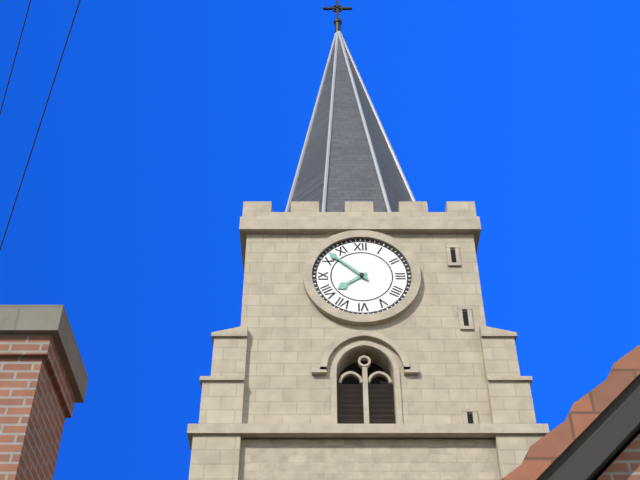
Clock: 7:52
